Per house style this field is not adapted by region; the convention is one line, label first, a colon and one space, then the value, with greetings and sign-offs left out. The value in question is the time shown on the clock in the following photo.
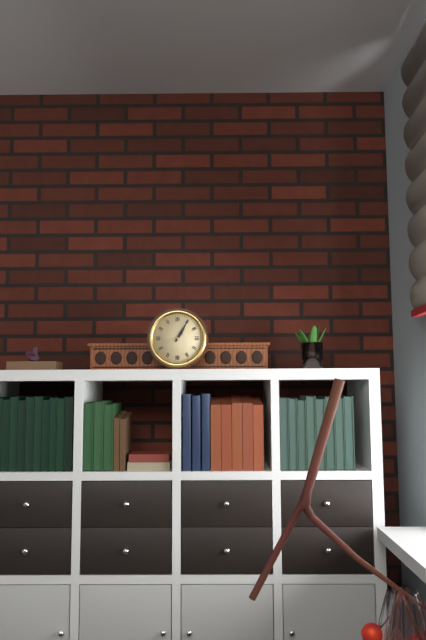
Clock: 1:05
